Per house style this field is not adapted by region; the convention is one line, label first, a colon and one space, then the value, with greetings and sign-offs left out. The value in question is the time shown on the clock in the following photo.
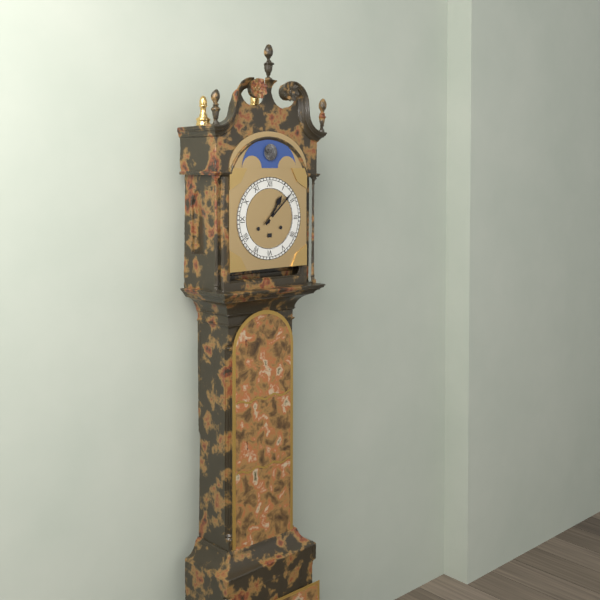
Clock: 1:08
